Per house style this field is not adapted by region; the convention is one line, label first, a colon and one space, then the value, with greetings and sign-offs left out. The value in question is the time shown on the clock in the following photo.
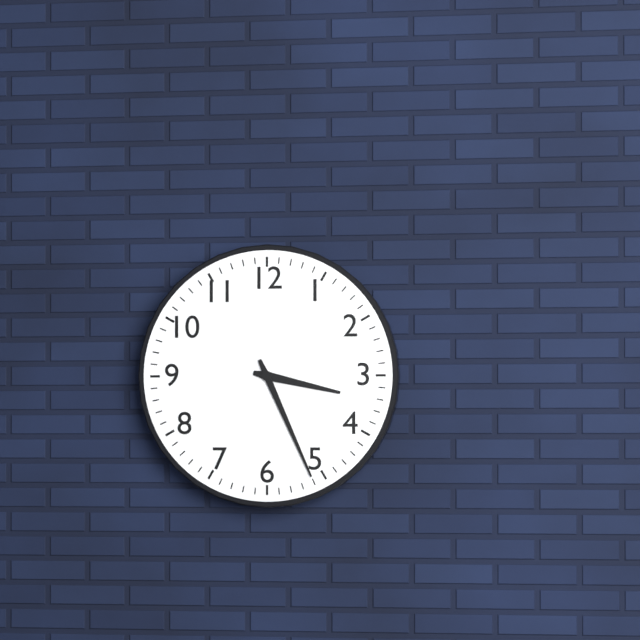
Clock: 3:26
